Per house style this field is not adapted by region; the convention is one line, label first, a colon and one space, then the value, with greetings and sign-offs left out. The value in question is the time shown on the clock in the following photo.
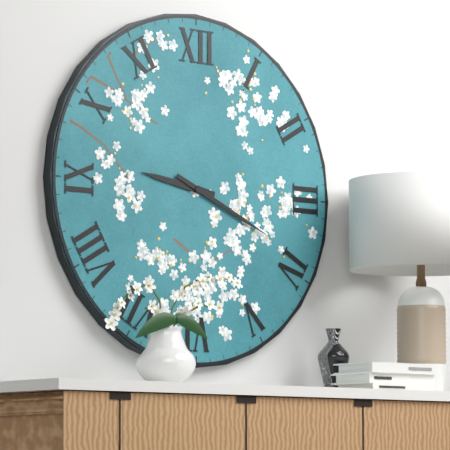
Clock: 9:19
